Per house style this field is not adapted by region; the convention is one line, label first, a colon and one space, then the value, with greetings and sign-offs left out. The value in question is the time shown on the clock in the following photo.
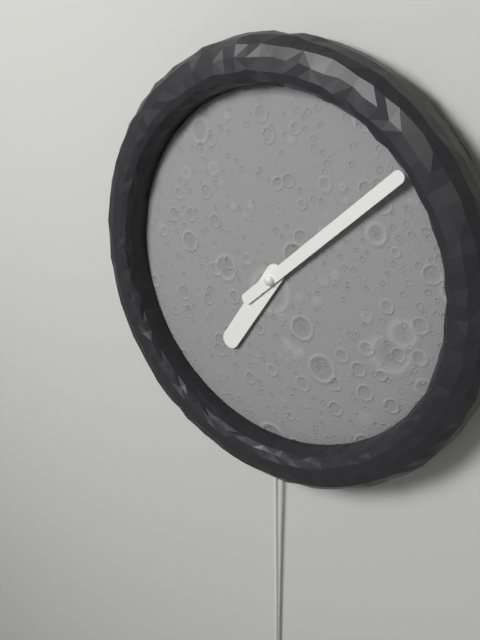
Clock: 7:08
